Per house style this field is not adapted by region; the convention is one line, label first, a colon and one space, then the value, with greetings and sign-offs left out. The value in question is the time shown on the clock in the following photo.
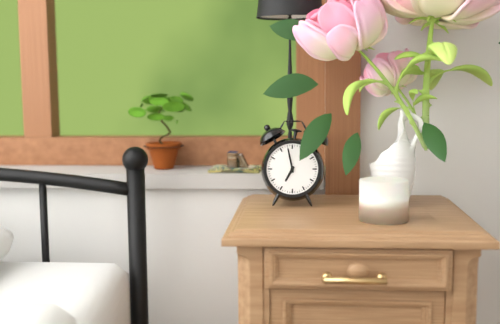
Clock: 6:58
